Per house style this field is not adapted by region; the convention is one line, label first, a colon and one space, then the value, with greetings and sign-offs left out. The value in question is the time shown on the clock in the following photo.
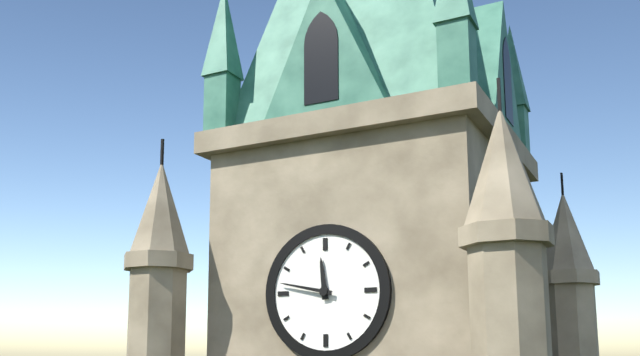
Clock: 11:47
